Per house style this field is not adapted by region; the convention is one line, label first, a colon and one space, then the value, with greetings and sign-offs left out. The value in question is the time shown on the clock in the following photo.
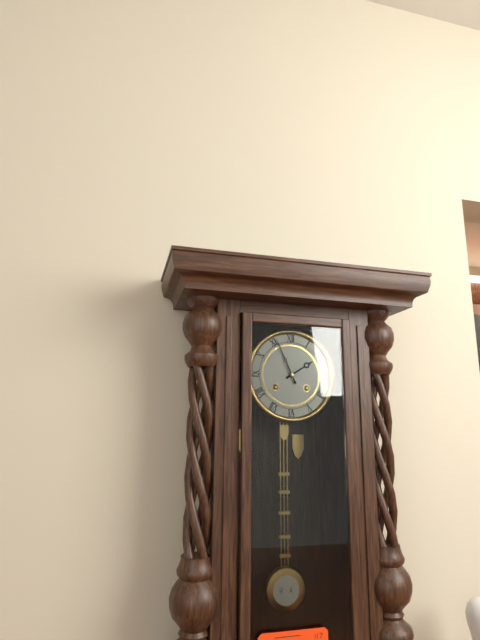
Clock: 1:56
